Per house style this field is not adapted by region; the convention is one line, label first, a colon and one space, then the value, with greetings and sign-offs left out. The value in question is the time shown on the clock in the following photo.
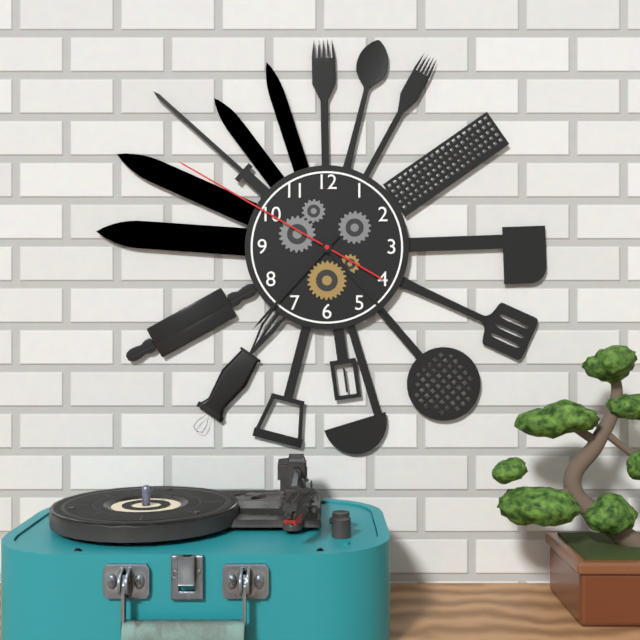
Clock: 4:37:50
